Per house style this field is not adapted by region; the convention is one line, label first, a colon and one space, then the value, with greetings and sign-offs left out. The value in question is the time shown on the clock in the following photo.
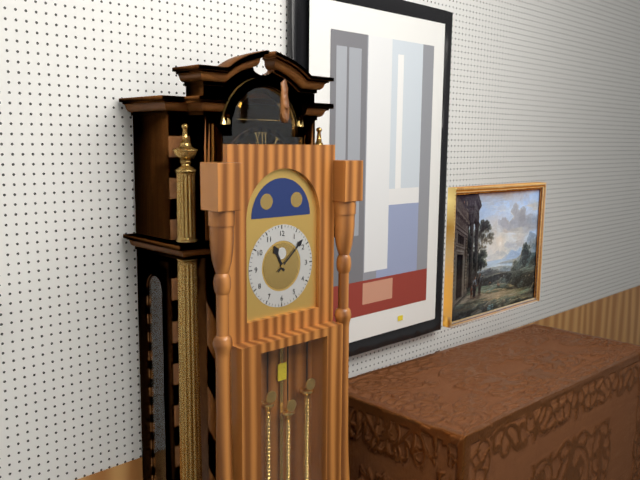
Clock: 11:08
